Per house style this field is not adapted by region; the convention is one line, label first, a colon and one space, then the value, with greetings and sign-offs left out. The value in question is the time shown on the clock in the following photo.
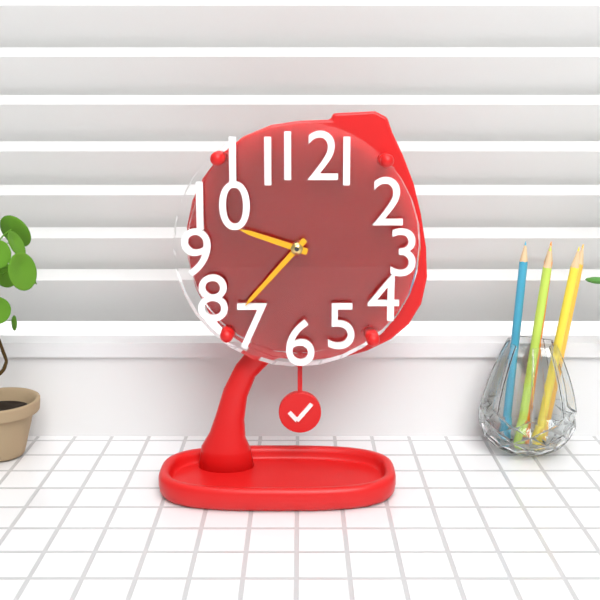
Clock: 9:37
